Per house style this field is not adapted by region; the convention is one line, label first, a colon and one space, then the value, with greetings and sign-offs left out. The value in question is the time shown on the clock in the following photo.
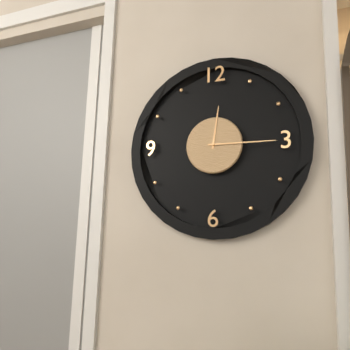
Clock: 12:15
